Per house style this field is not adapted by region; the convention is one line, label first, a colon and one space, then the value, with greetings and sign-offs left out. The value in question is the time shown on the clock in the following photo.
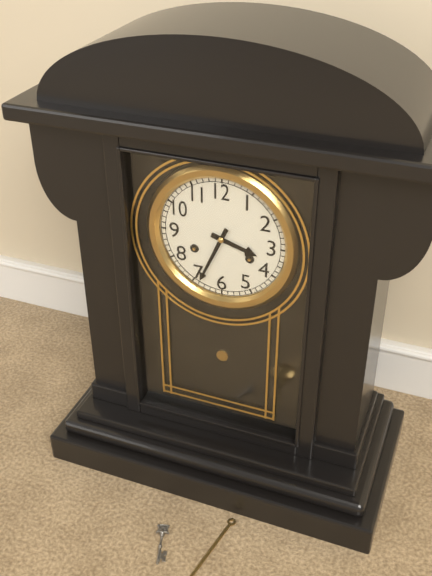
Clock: 3:34
